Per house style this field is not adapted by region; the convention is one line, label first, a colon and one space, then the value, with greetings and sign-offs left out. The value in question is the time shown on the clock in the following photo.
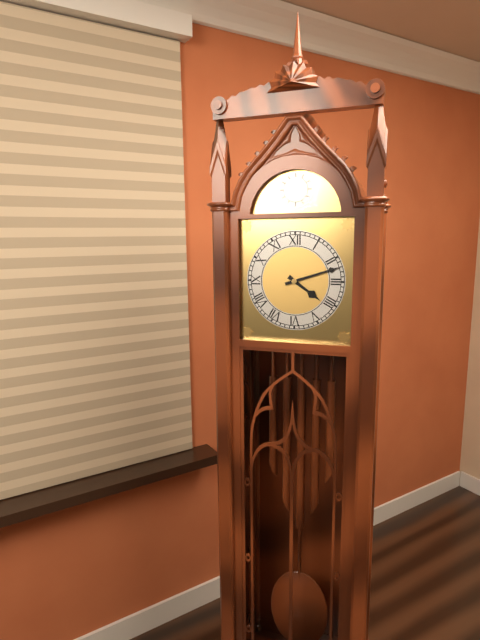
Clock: 4:12
